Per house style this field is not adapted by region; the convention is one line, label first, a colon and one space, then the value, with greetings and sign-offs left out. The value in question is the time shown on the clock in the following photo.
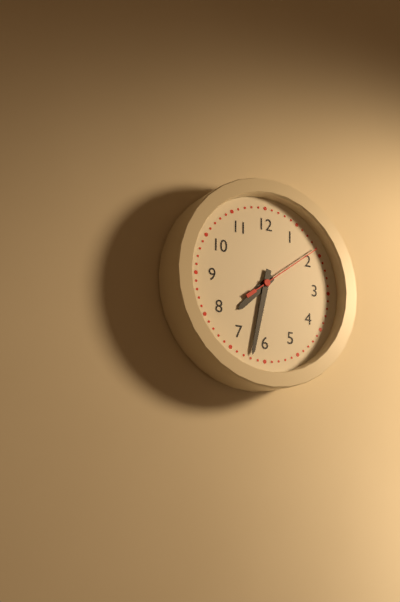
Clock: 7:32:09
